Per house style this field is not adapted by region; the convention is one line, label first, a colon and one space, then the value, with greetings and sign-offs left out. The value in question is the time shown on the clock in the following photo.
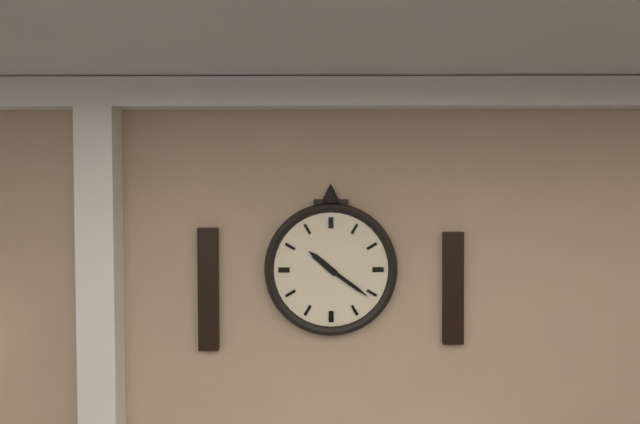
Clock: 10:21
